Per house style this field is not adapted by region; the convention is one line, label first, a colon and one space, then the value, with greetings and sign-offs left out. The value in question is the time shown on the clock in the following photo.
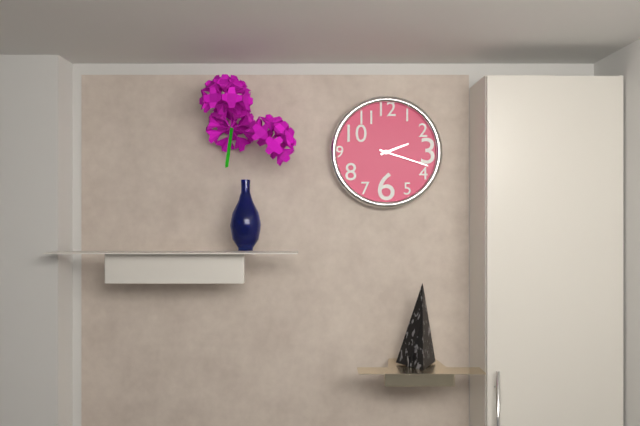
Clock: 2:18
